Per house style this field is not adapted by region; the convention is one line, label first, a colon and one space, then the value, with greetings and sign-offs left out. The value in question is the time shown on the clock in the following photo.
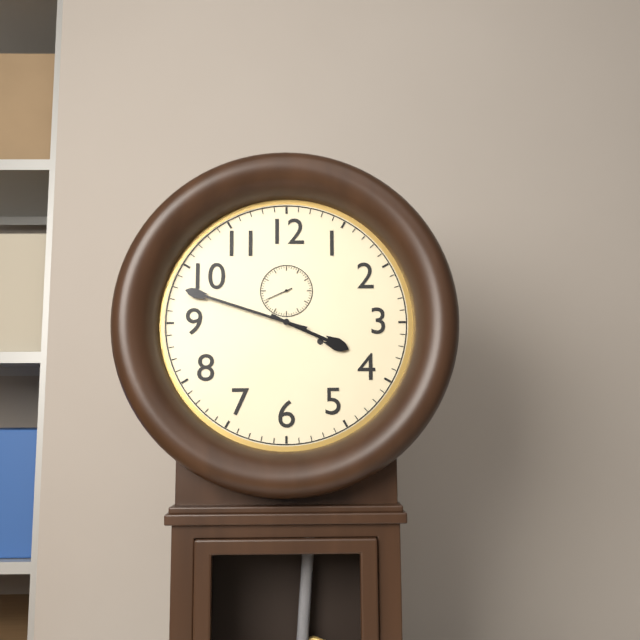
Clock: 3:48
